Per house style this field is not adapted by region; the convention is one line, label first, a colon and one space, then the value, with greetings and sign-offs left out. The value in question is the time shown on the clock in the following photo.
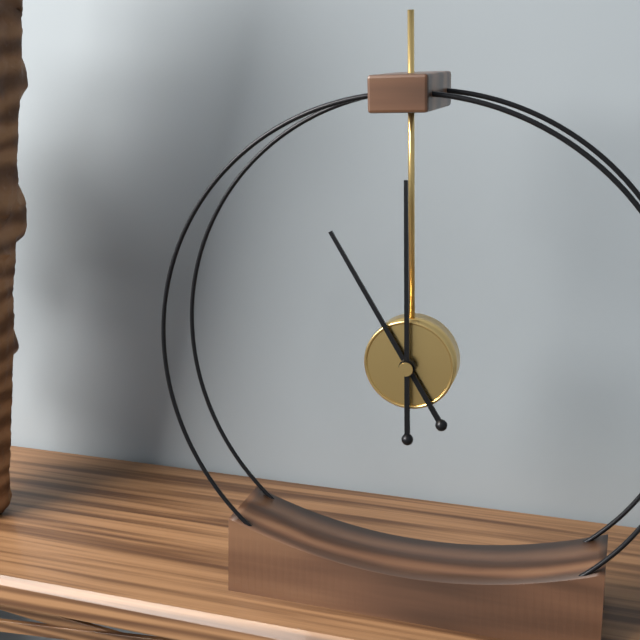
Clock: 11:00
